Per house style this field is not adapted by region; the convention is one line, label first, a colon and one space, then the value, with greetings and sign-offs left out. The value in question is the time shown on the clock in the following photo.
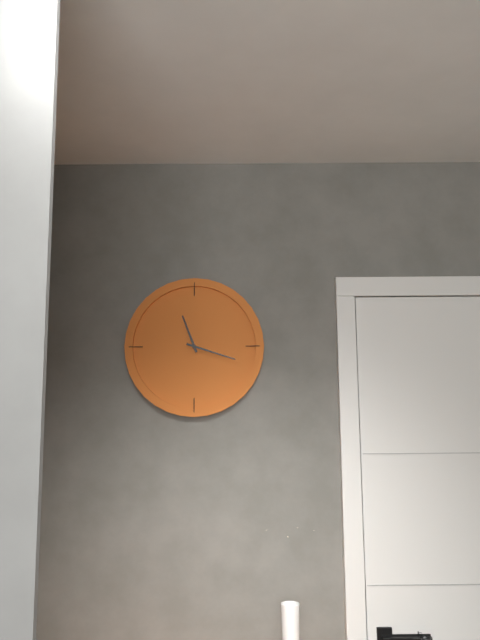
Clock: 11:18
